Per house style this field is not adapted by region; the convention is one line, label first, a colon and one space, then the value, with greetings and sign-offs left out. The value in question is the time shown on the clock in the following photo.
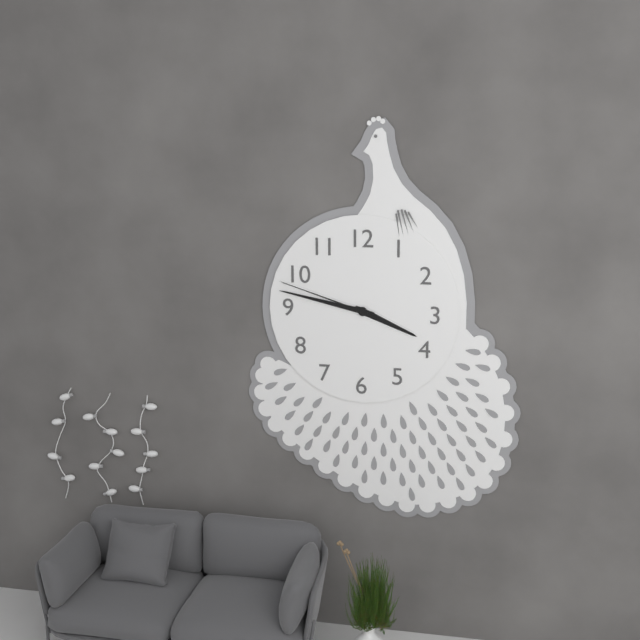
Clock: 3:47:48
